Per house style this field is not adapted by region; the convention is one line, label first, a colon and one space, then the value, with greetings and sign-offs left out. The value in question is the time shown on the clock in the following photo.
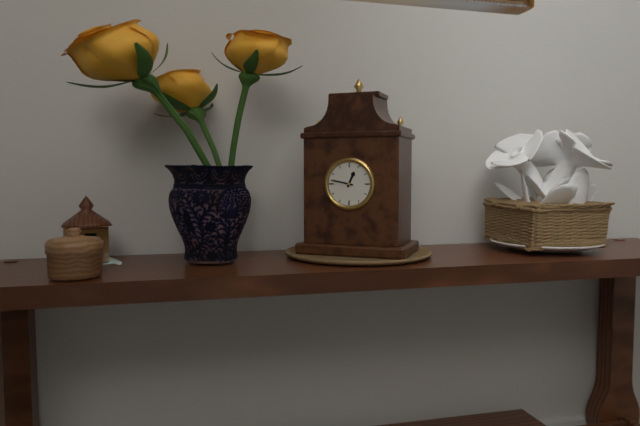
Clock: 12:47
